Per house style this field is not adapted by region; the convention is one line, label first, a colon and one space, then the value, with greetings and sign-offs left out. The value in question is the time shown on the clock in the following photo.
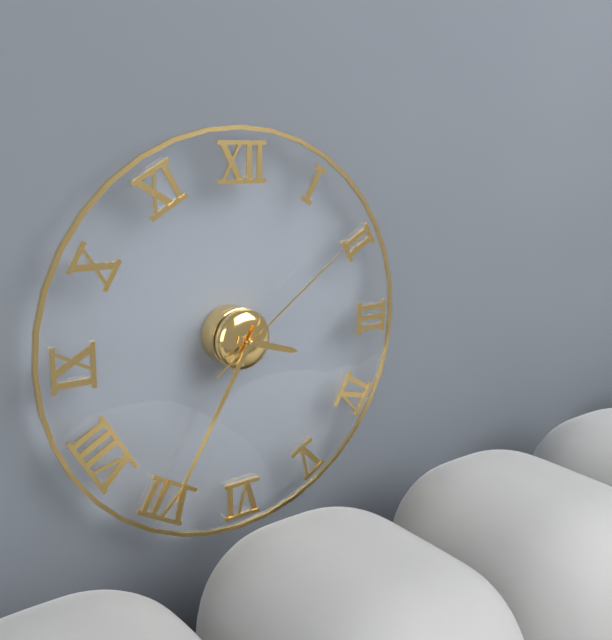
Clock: 3:35:09
